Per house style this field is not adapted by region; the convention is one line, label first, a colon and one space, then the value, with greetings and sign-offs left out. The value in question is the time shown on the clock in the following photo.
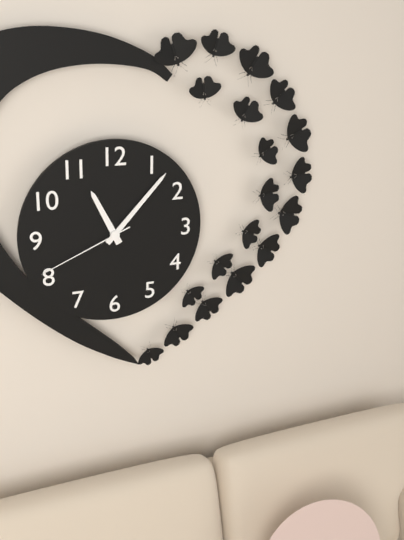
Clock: 11:07:41
